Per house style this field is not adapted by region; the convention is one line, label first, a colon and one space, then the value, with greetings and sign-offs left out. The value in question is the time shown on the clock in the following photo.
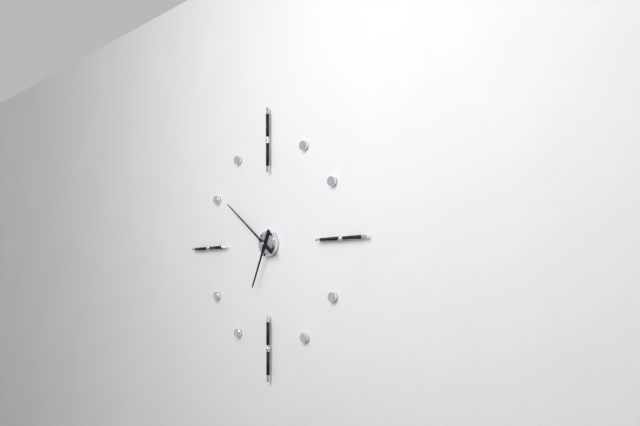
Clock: 6:51
